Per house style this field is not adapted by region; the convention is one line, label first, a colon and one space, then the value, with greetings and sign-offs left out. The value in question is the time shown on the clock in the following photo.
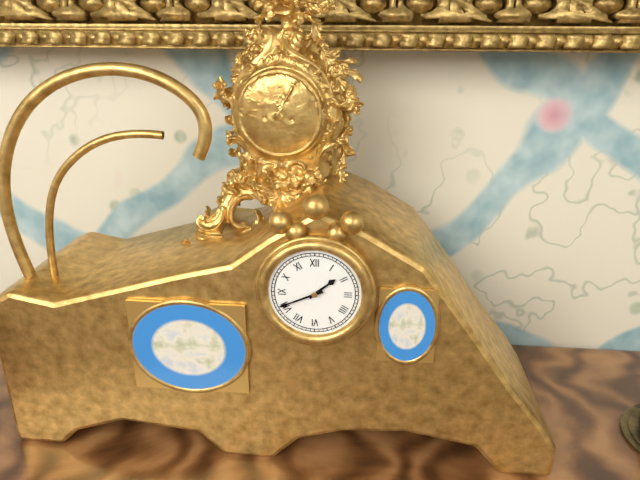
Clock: 1:41
